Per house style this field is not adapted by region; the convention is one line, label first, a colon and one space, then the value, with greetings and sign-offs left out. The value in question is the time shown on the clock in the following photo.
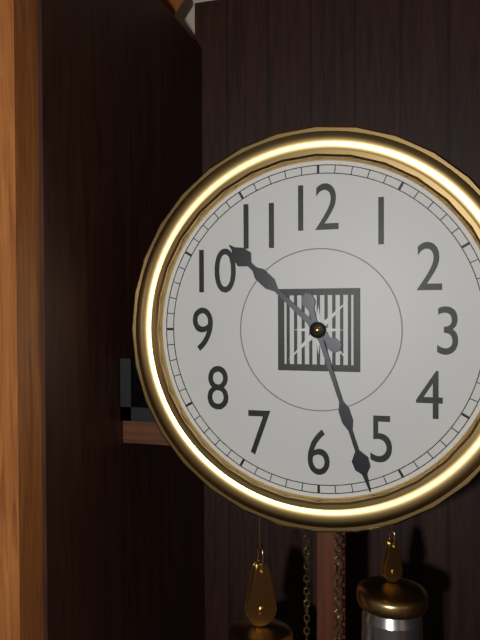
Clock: 10:27
